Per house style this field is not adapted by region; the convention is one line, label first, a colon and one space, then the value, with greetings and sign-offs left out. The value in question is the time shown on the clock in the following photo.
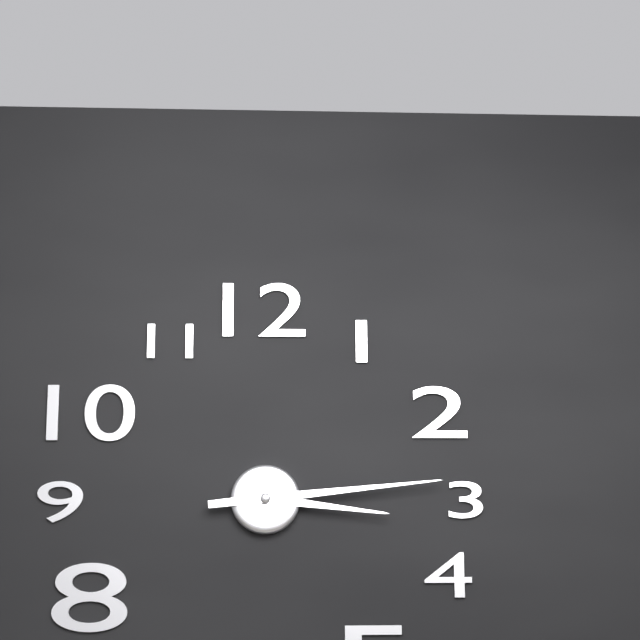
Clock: 3:14
